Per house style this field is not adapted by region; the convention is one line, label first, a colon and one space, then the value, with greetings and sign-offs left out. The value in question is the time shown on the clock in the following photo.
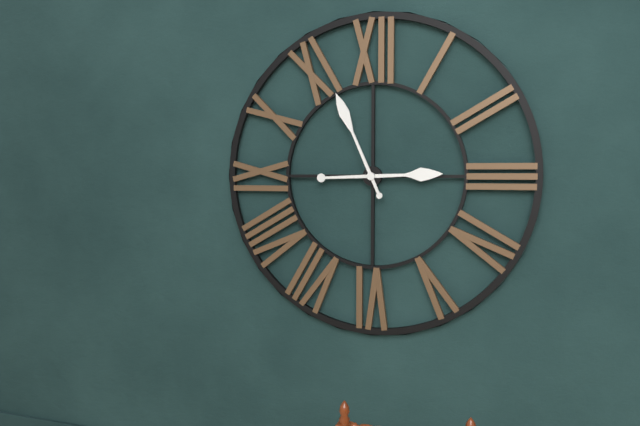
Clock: 2:56
